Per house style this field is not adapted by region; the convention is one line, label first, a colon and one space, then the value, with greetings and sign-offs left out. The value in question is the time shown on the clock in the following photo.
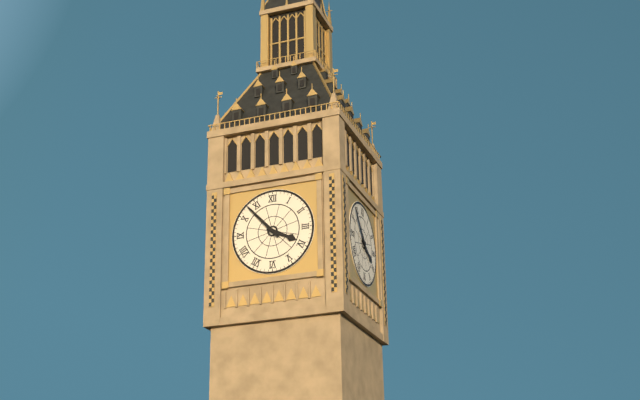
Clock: 3:53
